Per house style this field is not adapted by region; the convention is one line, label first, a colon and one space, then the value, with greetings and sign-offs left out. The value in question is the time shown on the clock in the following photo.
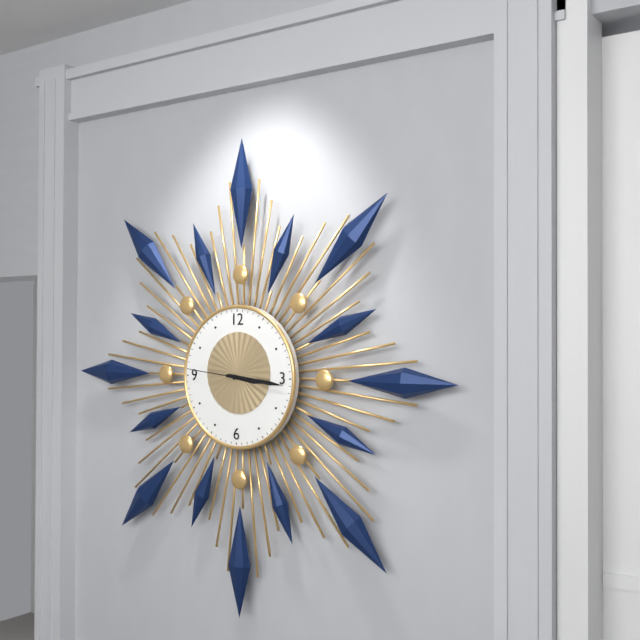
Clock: 3:16:46
